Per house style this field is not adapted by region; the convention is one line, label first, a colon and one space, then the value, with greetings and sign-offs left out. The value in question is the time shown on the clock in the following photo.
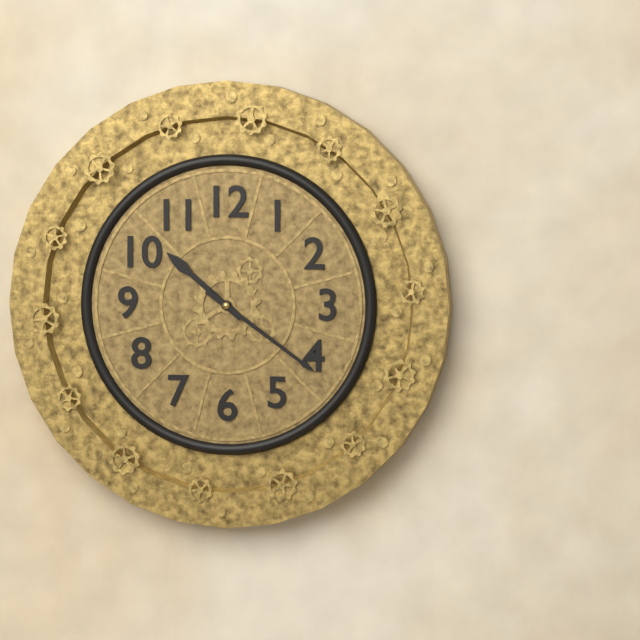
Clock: 10:21
